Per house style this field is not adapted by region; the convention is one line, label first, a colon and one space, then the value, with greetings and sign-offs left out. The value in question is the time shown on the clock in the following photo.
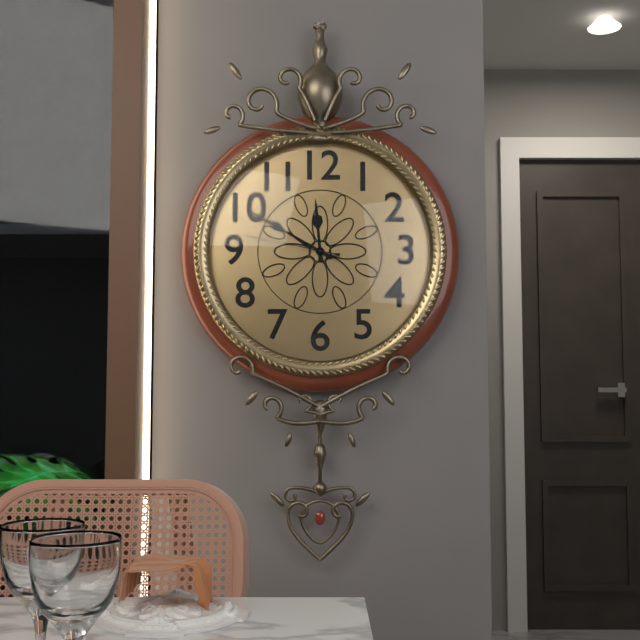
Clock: 11:50:47
